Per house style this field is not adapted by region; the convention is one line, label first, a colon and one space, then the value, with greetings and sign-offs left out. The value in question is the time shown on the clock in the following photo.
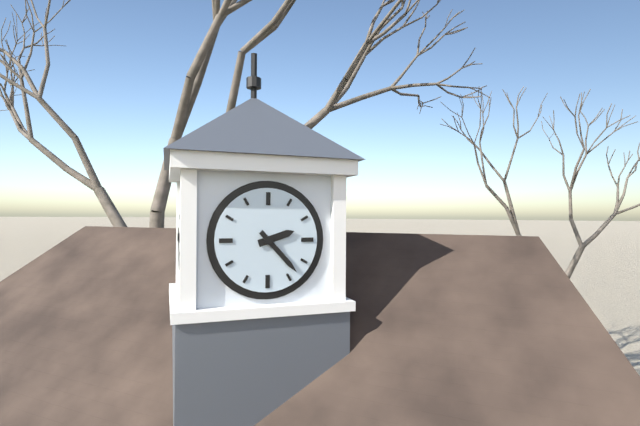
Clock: 2:23
